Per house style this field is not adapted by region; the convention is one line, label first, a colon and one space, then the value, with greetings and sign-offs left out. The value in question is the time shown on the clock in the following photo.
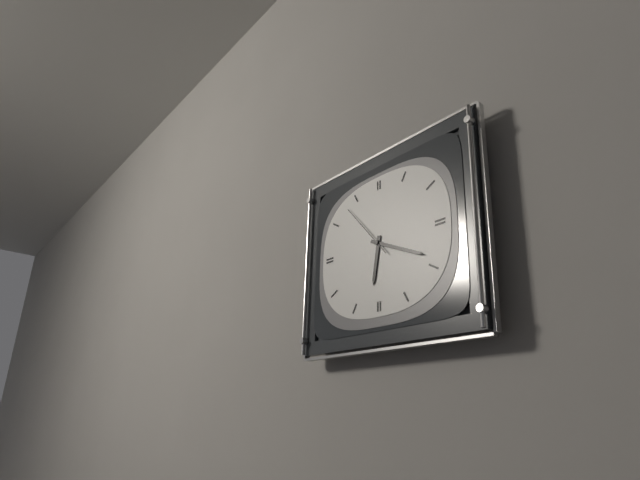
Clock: 6:19:53
